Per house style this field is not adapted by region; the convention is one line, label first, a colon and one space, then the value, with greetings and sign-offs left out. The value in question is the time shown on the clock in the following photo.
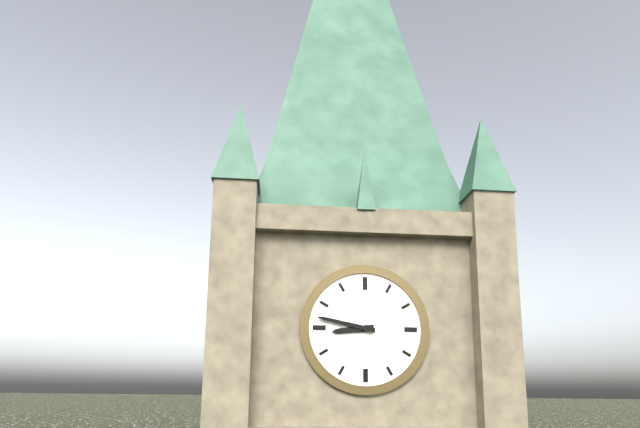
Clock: 8:47
